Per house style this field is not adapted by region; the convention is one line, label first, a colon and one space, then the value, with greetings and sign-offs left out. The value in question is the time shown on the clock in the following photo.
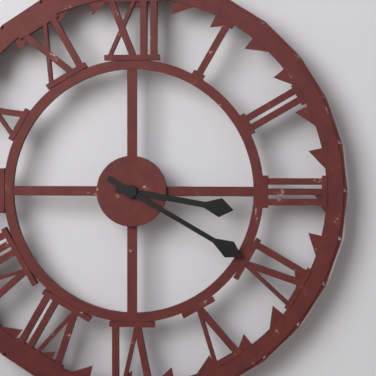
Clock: 3:20
